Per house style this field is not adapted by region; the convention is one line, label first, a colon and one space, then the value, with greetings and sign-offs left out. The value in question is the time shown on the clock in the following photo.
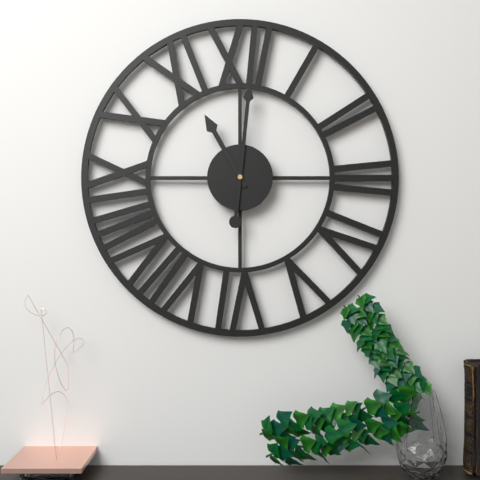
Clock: 11:01
